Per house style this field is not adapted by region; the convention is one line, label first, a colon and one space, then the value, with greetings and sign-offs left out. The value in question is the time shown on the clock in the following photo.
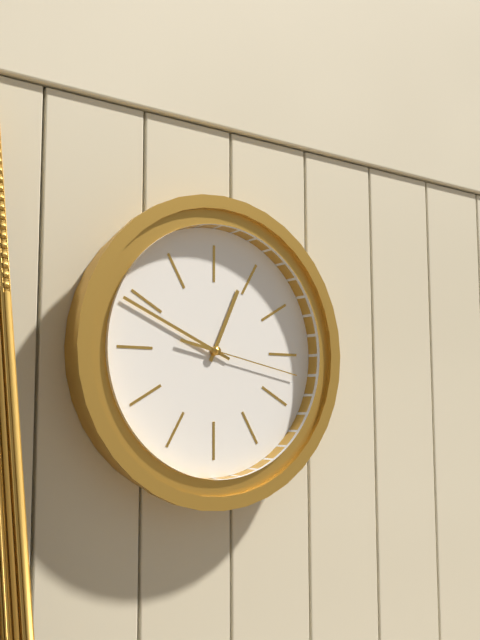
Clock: 12:49:17
